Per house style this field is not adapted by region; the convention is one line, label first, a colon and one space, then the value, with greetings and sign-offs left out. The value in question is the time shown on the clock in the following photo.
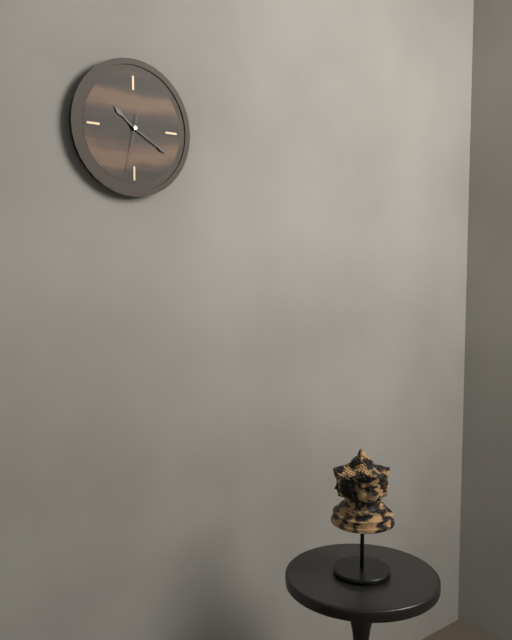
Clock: 10:20:32
